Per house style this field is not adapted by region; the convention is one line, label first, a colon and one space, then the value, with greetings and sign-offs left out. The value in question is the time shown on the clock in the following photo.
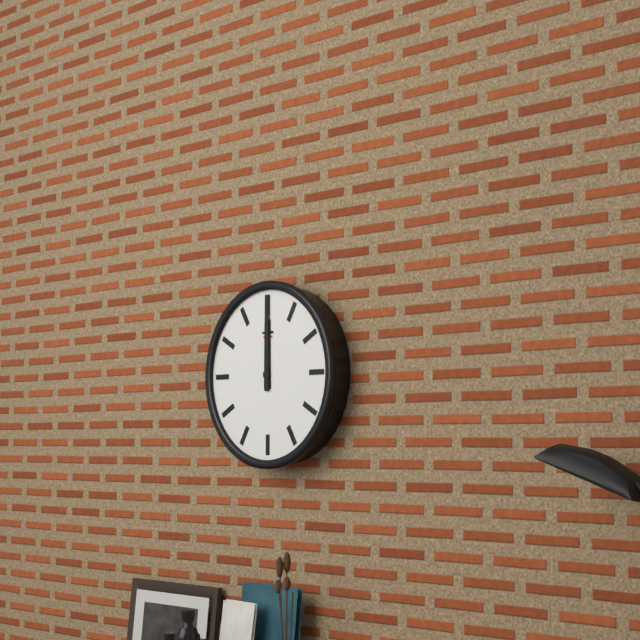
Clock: 12:00
